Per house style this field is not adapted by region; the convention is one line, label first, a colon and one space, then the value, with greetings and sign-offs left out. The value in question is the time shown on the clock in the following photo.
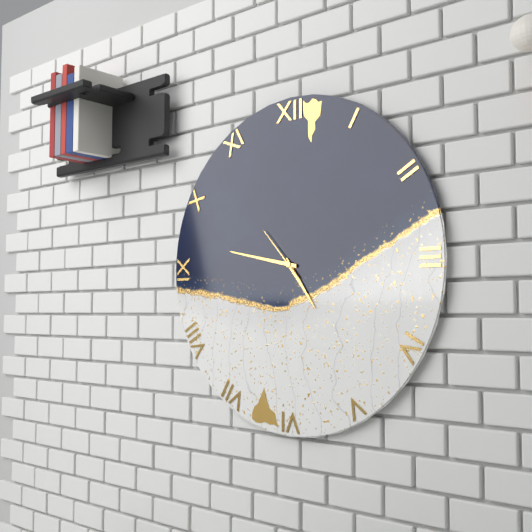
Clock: 4:47:53
